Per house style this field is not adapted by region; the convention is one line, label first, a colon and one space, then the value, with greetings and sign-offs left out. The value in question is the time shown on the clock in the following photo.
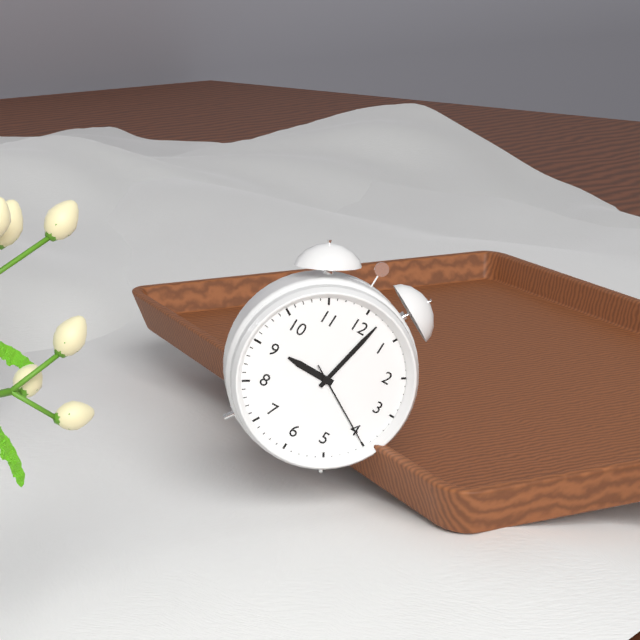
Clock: 9:02:20
